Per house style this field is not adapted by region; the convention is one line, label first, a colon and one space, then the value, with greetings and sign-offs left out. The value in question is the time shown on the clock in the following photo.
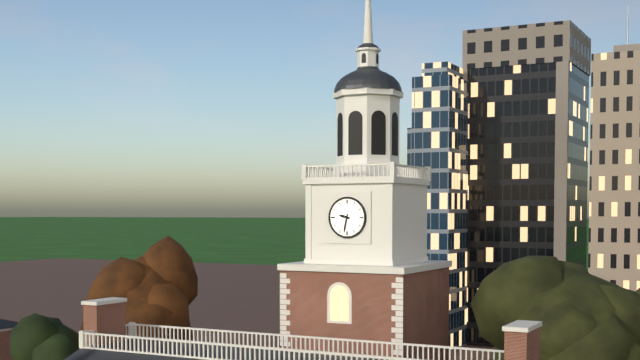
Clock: 9:32
